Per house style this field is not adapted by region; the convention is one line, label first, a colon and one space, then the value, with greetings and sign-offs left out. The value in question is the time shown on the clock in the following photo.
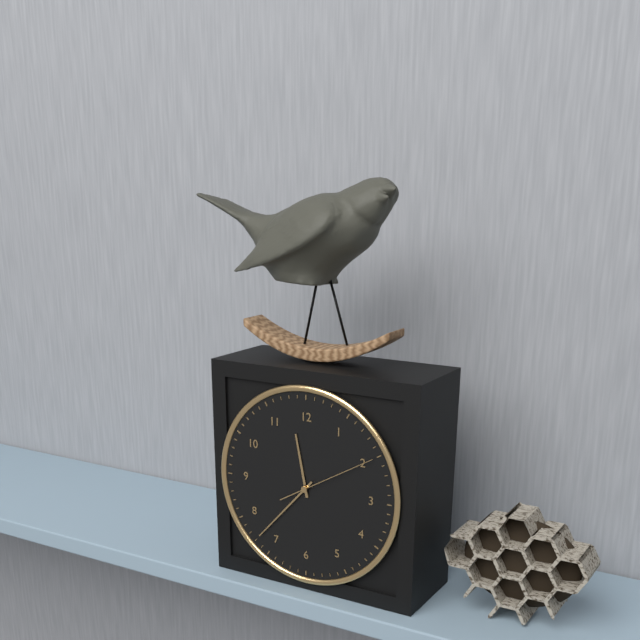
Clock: 11:37:10
